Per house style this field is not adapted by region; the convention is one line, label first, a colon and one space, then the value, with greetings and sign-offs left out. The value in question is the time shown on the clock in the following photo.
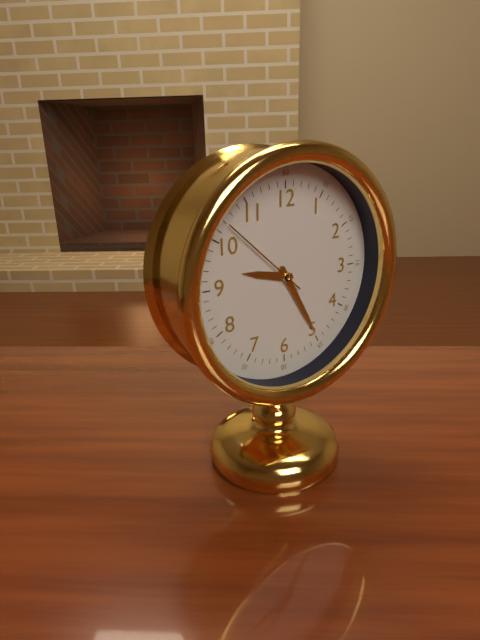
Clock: 9:25:52
